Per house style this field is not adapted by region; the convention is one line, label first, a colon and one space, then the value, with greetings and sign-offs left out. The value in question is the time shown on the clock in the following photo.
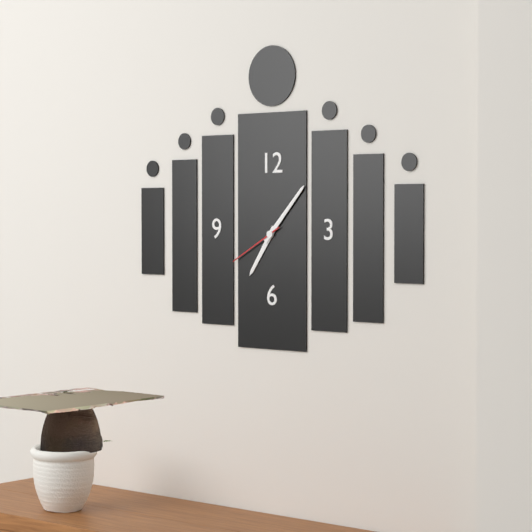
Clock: 7:07:40
